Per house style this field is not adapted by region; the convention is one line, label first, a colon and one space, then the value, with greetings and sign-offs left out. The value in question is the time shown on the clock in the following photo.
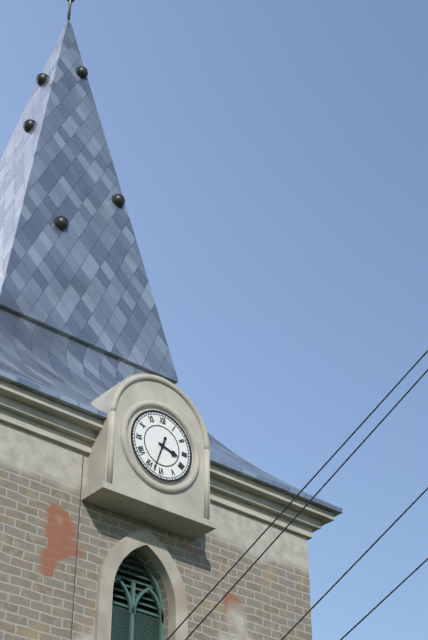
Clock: 3:33
